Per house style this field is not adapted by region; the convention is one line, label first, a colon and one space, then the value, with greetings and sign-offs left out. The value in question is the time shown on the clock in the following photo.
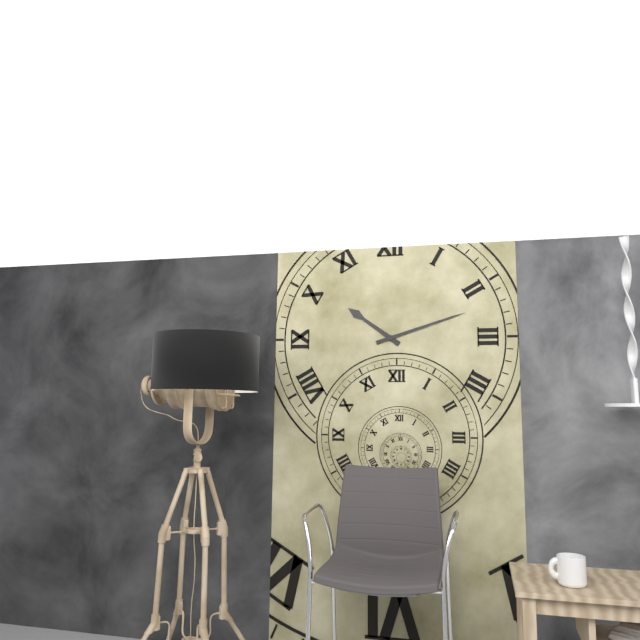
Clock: 10:12
